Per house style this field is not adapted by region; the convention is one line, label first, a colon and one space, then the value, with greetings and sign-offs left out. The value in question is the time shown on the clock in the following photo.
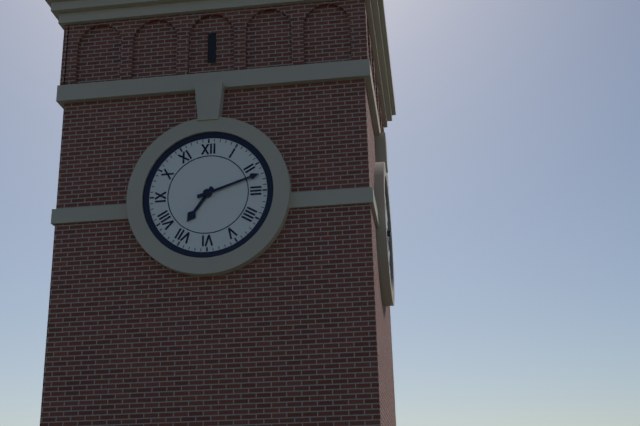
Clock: 7:12
